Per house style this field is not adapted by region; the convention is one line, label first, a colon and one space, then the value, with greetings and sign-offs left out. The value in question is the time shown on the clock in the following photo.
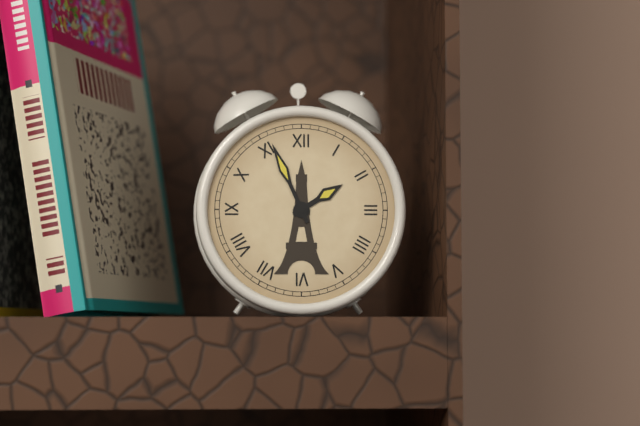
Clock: 1:56
